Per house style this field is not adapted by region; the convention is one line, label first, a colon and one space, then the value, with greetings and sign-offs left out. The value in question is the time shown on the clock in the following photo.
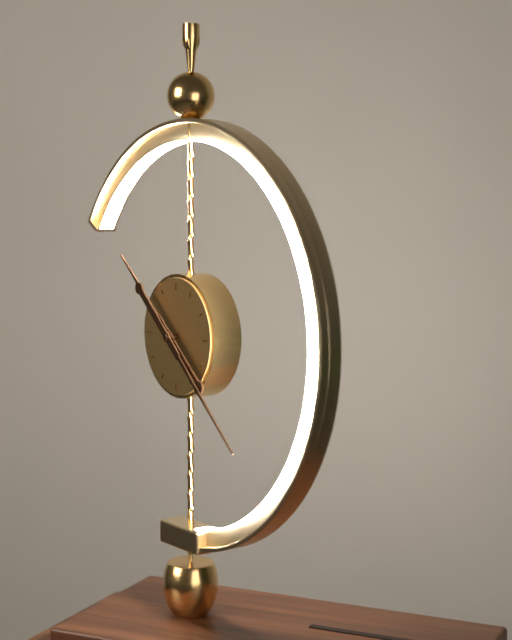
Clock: 10:22
